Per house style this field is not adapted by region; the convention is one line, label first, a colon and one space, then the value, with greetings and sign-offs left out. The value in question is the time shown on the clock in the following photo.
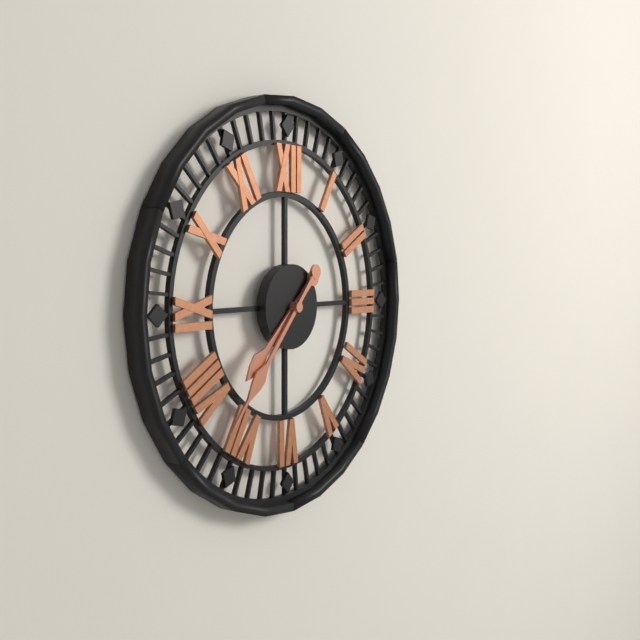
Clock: 7:37
